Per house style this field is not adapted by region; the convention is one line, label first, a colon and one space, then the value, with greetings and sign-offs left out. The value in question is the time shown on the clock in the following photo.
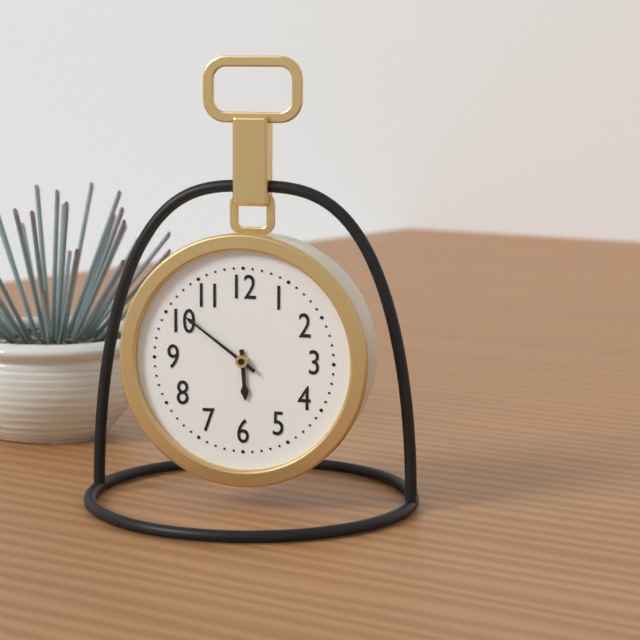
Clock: 5:51
